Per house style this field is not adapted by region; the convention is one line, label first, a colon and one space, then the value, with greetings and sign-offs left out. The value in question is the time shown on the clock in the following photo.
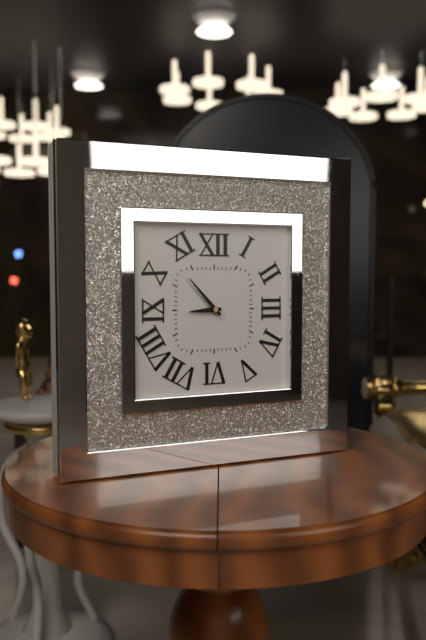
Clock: 8:53
